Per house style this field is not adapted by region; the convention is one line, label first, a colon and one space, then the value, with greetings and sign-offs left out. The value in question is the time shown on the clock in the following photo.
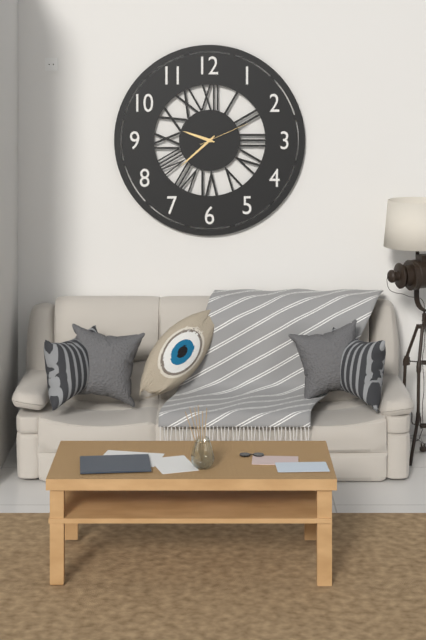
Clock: 9:38:11
